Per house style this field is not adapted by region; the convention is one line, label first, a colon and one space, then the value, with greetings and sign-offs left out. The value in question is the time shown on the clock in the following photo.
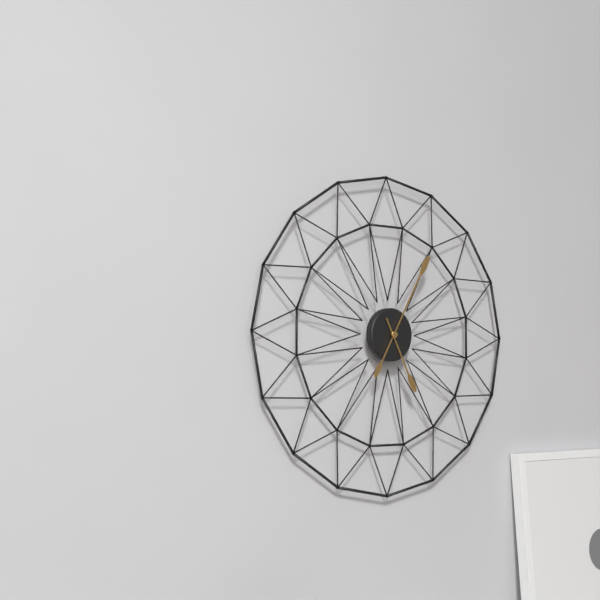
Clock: 5:05
